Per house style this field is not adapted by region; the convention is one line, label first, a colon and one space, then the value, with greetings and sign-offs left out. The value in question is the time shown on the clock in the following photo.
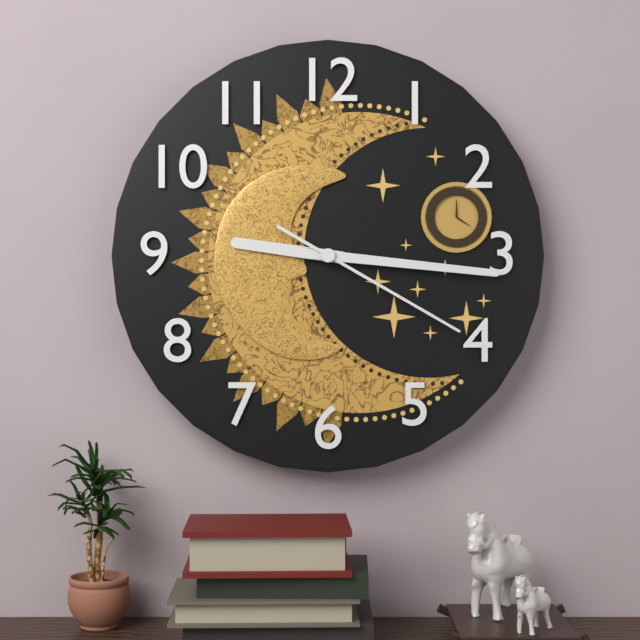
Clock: 9:16:20
